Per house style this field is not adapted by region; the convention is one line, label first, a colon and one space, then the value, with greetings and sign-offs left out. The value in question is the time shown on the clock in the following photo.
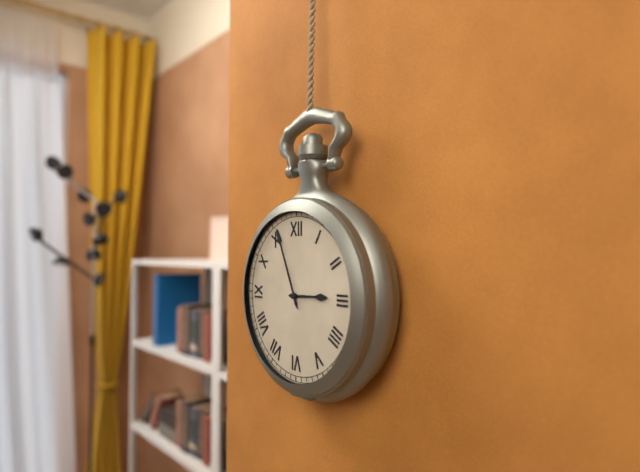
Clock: 2:56
